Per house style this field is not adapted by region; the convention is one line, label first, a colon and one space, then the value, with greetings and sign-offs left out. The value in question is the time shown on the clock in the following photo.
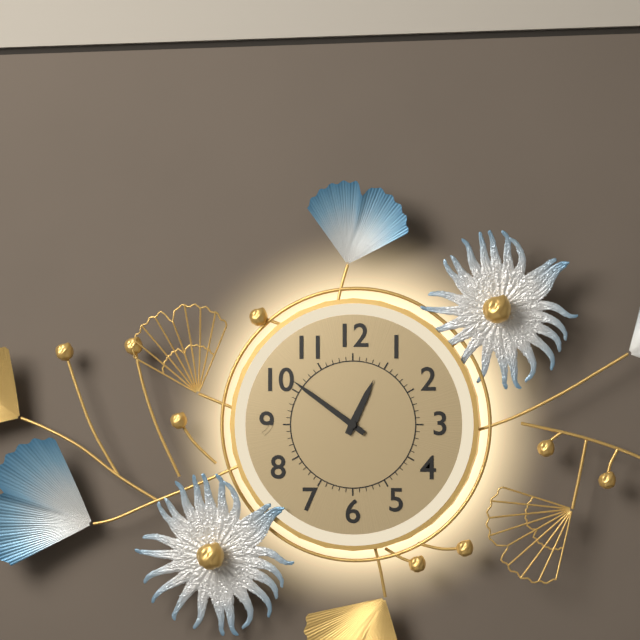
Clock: 12:51
